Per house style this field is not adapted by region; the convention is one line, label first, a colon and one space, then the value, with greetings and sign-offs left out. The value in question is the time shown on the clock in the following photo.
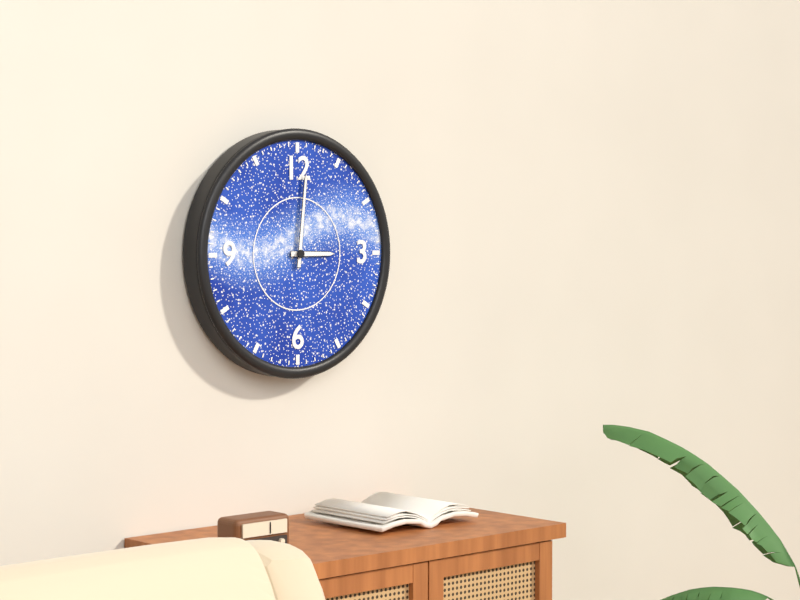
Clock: 3:01
